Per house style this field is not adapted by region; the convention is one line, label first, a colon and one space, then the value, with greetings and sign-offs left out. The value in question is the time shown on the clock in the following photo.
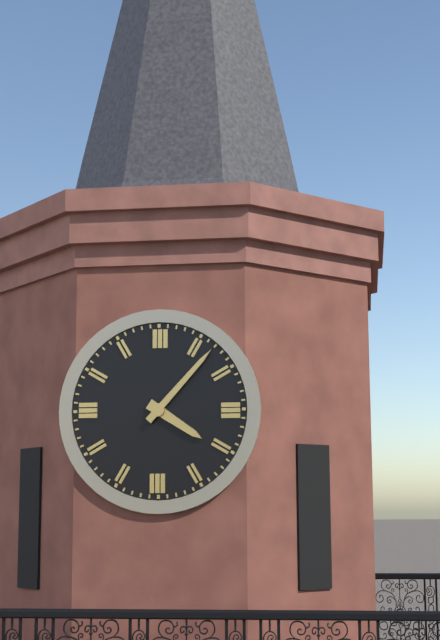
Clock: 4:07
